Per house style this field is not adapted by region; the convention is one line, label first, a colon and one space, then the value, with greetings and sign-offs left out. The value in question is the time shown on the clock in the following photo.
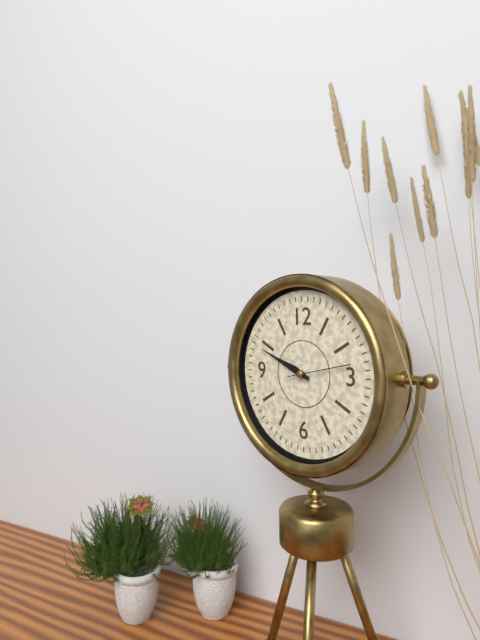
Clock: 9:49:13
